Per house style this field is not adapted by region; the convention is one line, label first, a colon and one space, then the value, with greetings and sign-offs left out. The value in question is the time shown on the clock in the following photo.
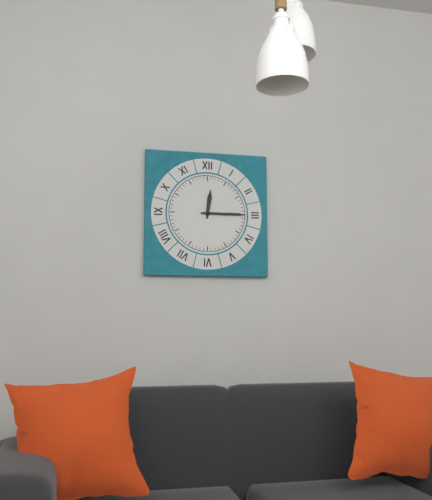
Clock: 12:15
